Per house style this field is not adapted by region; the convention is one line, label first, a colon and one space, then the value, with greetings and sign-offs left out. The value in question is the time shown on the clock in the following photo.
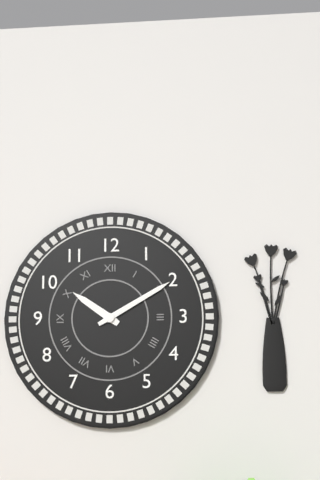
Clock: 10:10
